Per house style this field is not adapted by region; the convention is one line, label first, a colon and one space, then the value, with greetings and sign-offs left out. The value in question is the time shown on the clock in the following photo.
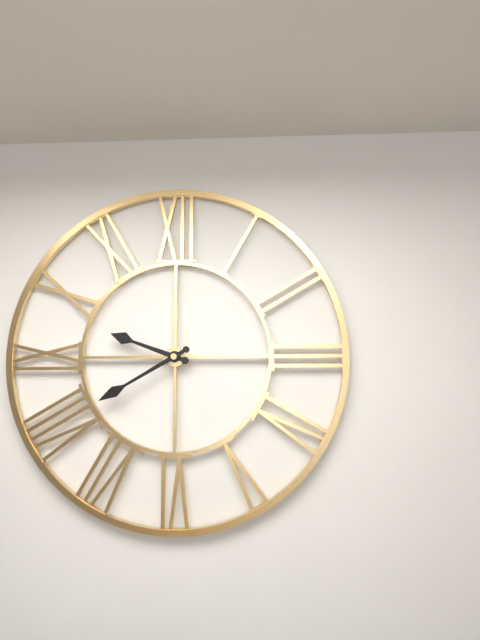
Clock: 9:40
